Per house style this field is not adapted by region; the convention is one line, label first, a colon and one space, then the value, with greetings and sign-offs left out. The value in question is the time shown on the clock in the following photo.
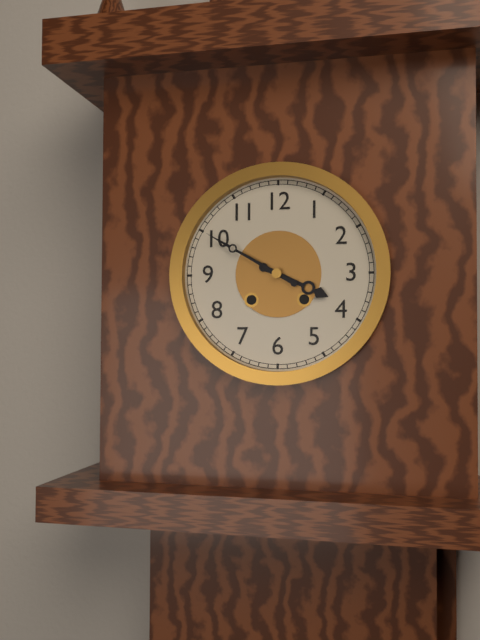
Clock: 3:50
